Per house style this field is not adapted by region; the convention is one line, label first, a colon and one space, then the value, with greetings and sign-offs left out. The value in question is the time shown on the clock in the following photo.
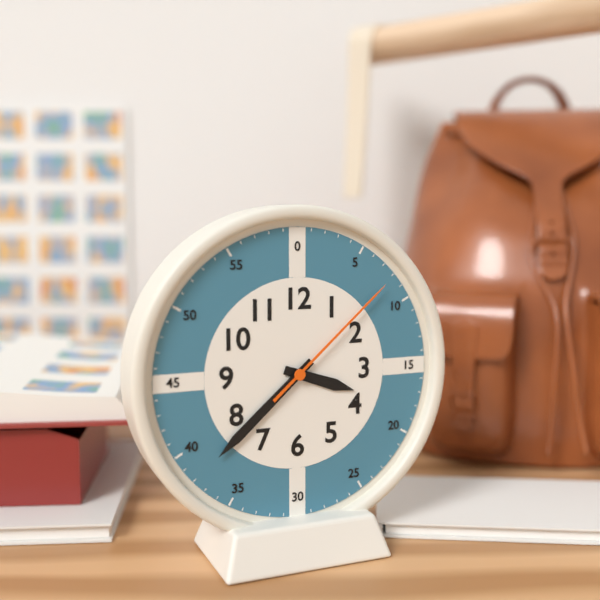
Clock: 3:38:08
